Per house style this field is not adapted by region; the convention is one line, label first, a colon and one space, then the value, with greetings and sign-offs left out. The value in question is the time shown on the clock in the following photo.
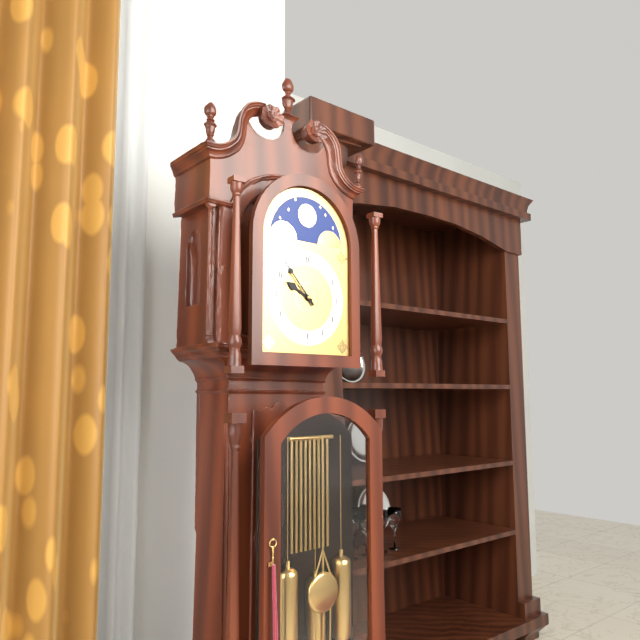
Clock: 9:53
